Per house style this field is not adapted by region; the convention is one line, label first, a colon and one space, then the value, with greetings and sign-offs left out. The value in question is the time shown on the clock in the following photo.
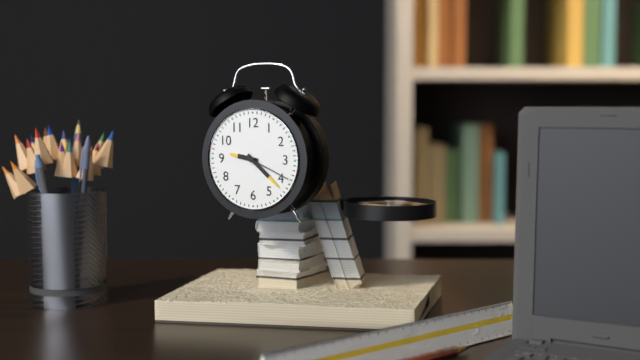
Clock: 9:22:19
